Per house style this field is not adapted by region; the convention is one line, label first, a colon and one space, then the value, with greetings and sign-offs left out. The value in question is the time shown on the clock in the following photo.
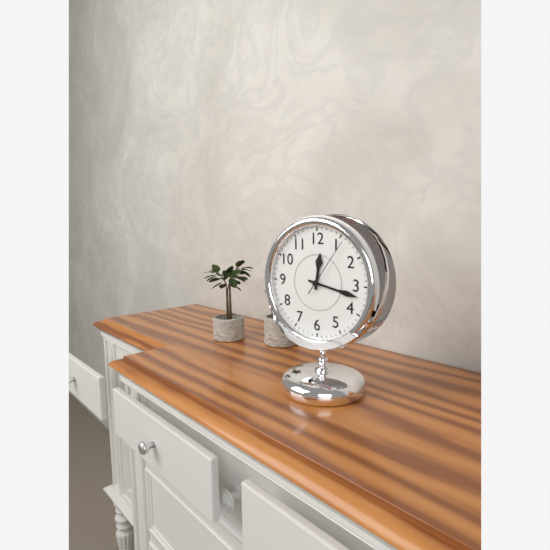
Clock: 12:17:06
